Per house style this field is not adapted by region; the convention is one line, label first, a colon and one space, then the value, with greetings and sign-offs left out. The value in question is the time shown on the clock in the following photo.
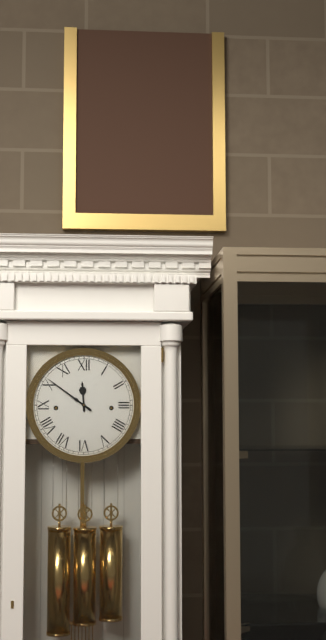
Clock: 11:51
